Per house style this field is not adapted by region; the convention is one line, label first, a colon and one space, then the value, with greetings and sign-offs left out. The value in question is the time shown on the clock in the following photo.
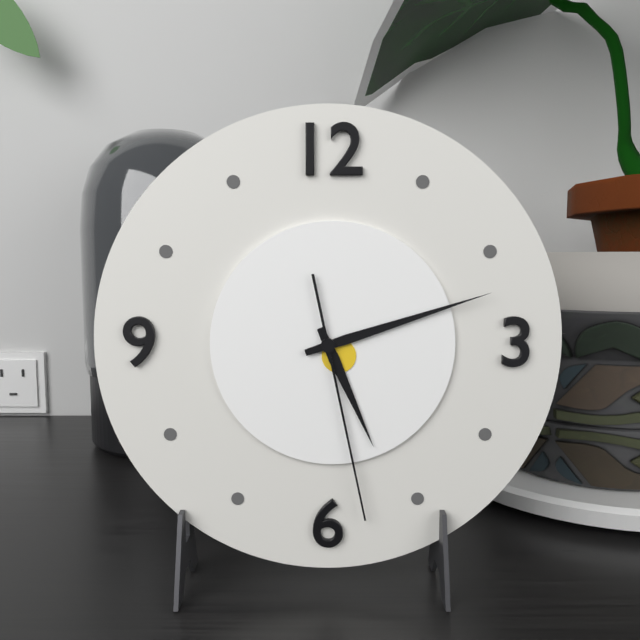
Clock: 5:12:28
